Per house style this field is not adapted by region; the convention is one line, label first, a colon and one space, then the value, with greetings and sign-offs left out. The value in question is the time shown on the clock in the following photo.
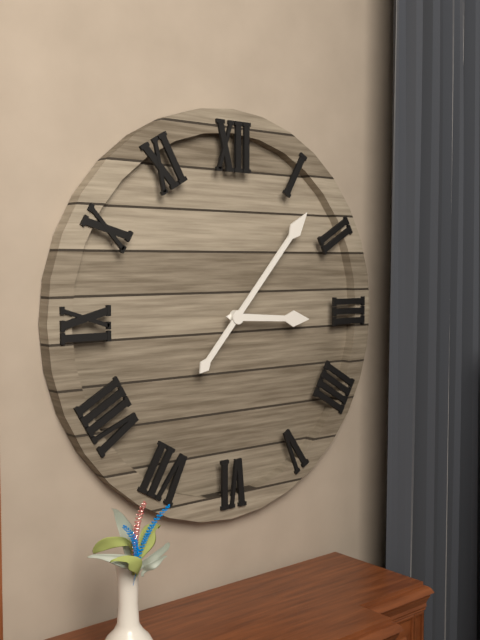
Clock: 3:07
